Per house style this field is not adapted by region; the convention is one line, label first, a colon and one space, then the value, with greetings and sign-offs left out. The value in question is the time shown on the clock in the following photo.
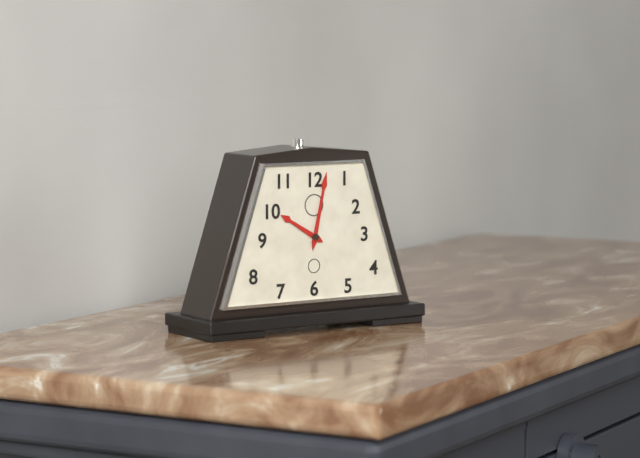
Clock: 10:02
